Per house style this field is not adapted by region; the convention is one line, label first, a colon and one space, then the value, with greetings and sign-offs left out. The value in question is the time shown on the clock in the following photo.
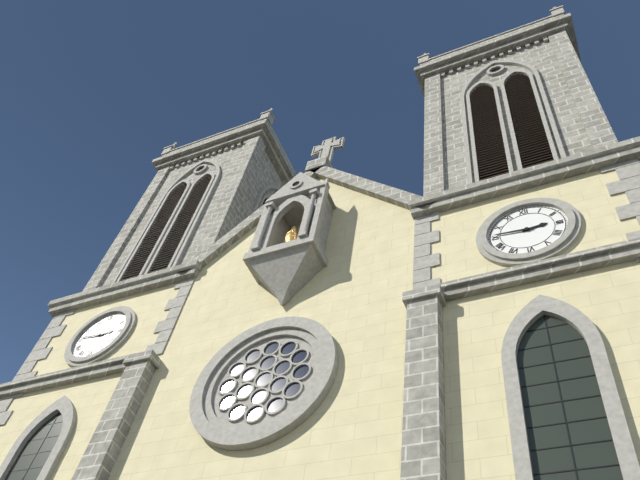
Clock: 2:46
